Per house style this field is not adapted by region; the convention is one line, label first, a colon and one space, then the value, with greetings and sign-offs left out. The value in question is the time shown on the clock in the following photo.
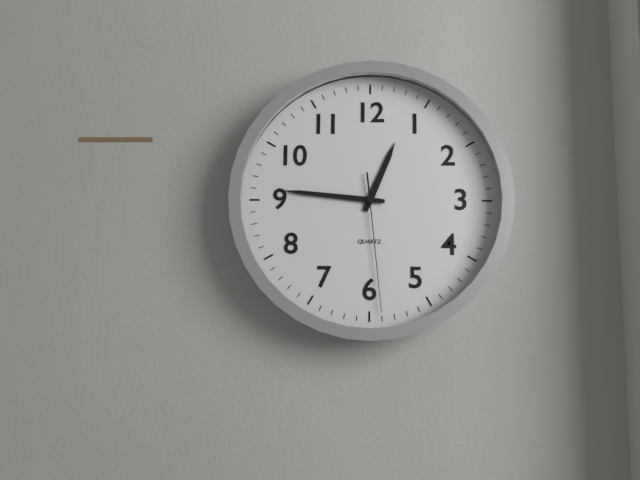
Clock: 12:46:29
